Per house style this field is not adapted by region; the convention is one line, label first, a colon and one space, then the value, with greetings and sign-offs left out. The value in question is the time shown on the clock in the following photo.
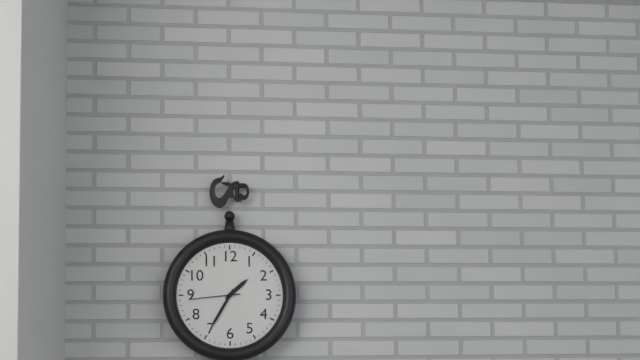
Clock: 1:35:44
